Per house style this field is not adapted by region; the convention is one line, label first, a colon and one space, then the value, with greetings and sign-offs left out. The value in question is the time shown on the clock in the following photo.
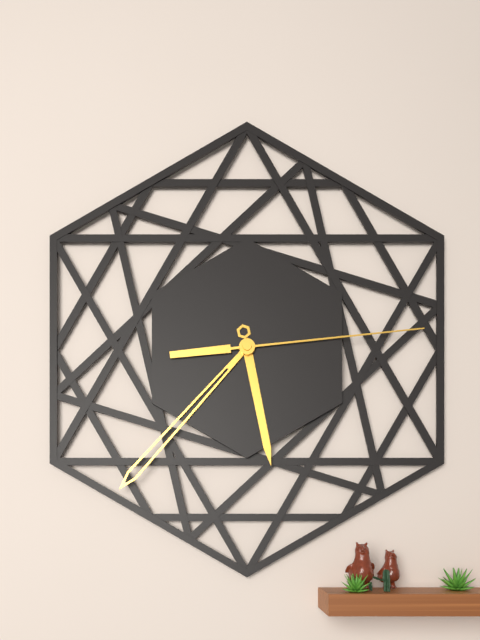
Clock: 5:37:14
